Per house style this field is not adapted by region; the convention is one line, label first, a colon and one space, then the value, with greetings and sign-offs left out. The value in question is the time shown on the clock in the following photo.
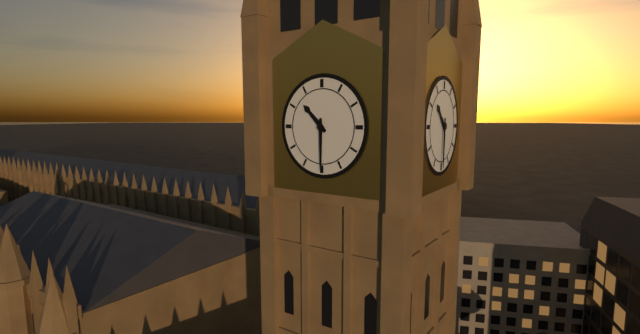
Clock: 10:30
